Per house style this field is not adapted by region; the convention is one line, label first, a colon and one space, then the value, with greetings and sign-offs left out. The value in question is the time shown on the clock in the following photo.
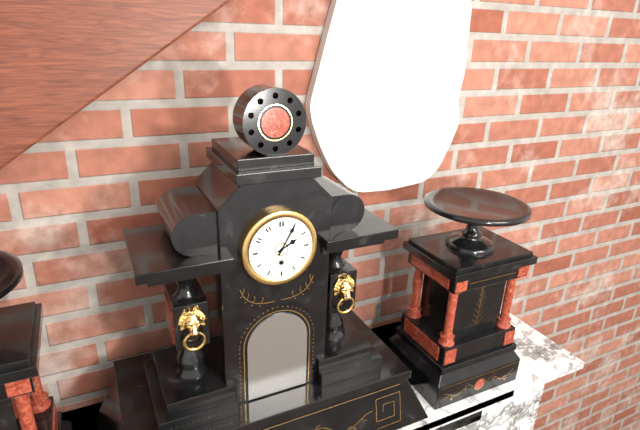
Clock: 2:05
